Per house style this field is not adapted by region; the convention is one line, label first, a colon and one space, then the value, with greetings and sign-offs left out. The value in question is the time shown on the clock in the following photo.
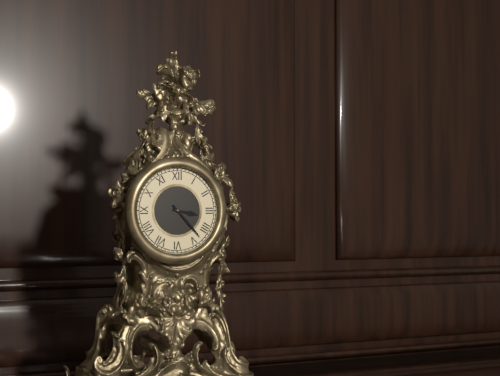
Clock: 3:23
